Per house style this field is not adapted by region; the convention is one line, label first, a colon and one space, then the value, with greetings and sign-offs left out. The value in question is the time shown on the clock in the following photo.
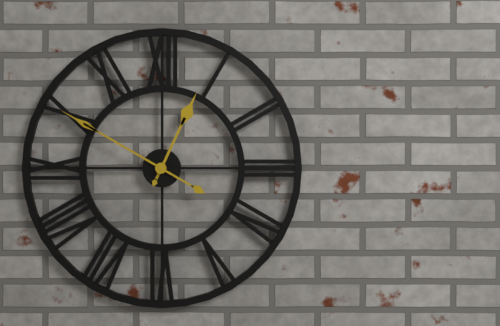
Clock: 12:50
